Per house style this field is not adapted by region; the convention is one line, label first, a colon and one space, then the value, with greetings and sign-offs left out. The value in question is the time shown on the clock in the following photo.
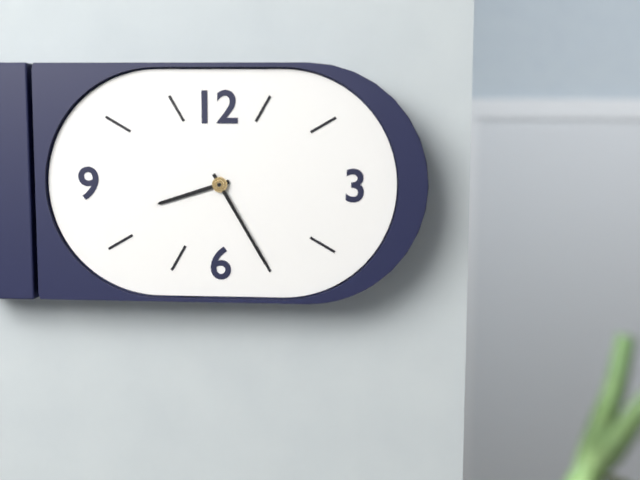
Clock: 8:25
